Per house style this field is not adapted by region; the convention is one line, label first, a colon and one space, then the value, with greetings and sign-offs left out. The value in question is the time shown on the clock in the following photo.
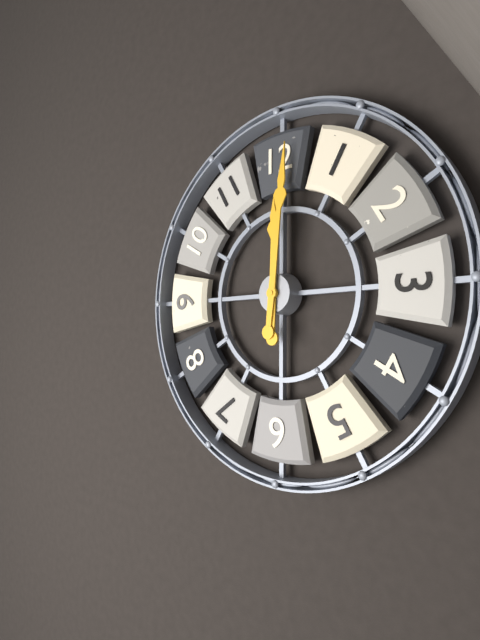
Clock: 12:01
